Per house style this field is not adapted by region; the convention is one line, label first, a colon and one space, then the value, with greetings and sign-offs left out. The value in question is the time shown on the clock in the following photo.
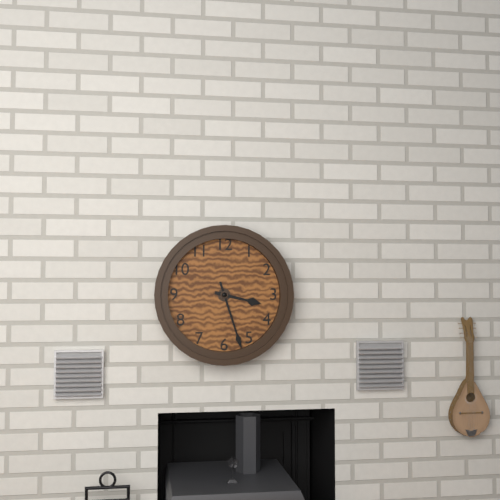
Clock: 3:27
